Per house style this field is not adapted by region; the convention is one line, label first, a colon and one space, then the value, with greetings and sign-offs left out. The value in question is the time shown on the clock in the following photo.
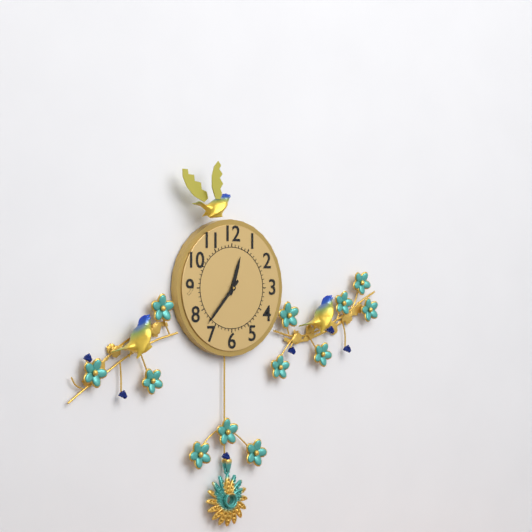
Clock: 12:37
